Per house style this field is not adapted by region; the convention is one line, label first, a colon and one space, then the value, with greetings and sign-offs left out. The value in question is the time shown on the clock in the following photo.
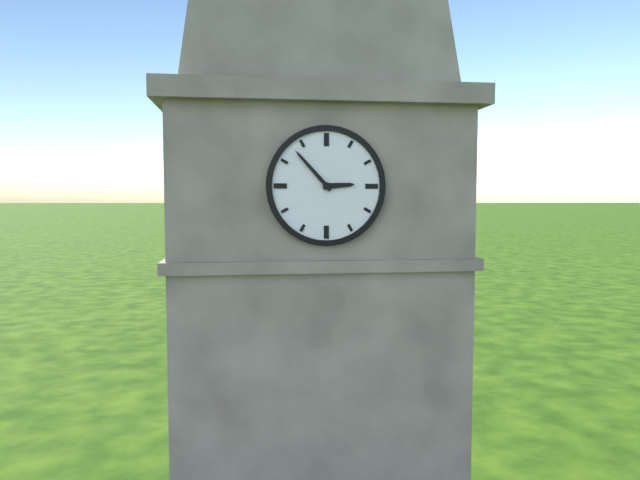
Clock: 2:53
